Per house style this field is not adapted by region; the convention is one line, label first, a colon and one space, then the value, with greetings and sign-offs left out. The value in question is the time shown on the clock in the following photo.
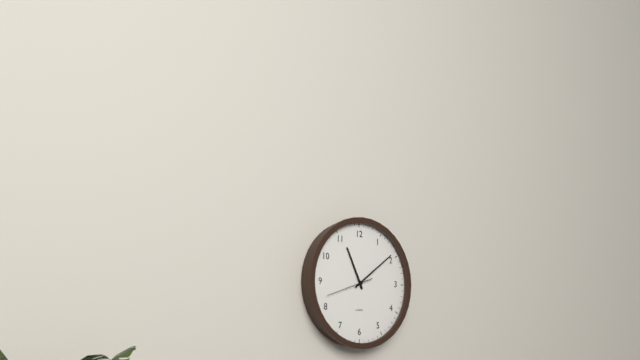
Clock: 11:09
